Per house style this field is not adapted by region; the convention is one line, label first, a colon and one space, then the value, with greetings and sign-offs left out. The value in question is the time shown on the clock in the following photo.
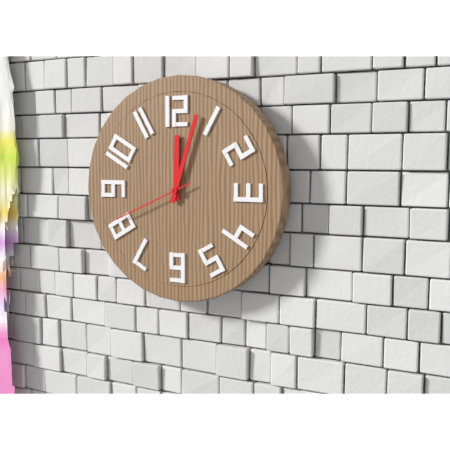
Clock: 12:03:41
